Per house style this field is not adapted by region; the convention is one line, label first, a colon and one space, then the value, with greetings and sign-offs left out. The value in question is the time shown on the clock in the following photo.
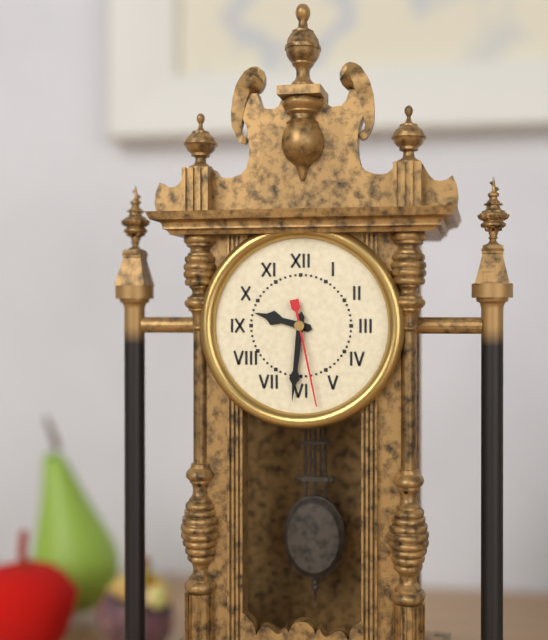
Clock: 9:31:28
